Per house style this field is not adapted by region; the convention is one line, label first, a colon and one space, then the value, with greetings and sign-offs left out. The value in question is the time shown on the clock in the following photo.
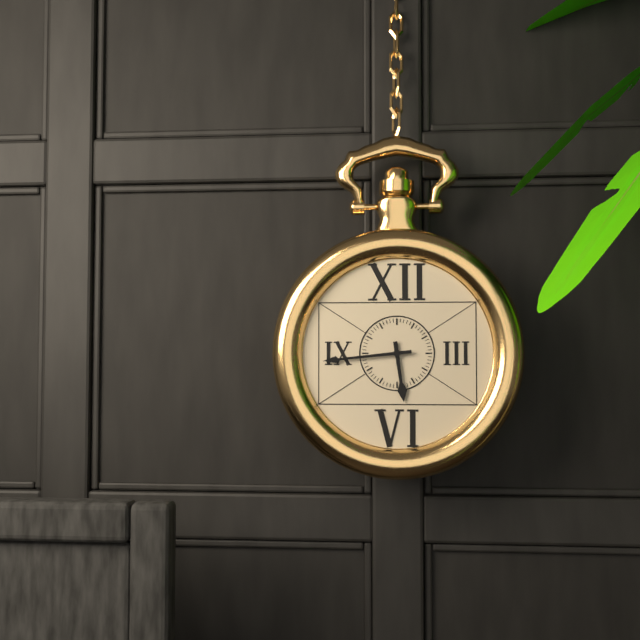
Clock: 5:44
